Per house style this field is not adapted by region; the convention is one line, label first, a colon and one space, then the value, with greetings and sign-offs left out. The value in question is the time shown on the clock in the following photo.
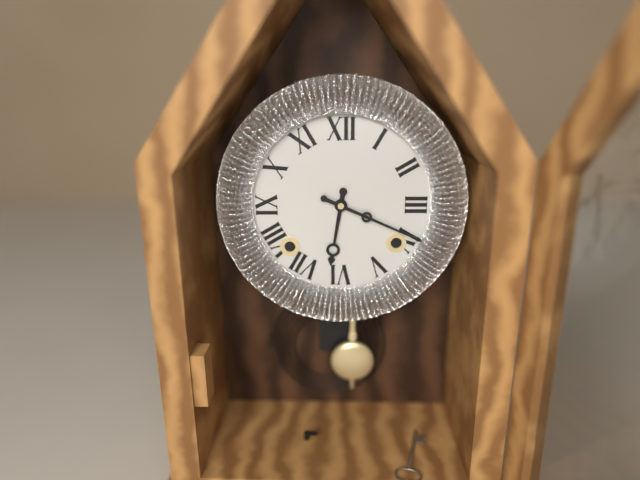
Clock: 6:19
